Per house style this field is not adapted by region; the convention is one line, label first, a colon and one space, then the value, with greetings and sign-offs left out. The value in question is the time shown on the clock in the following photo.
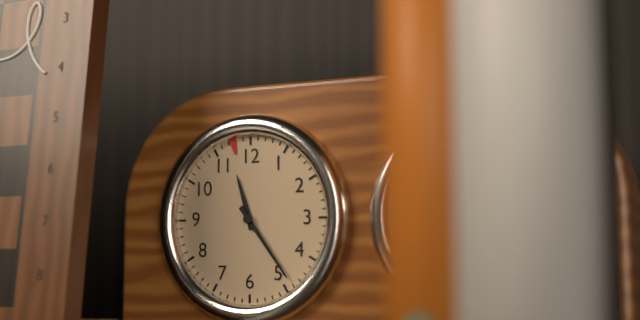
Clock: 11:24
